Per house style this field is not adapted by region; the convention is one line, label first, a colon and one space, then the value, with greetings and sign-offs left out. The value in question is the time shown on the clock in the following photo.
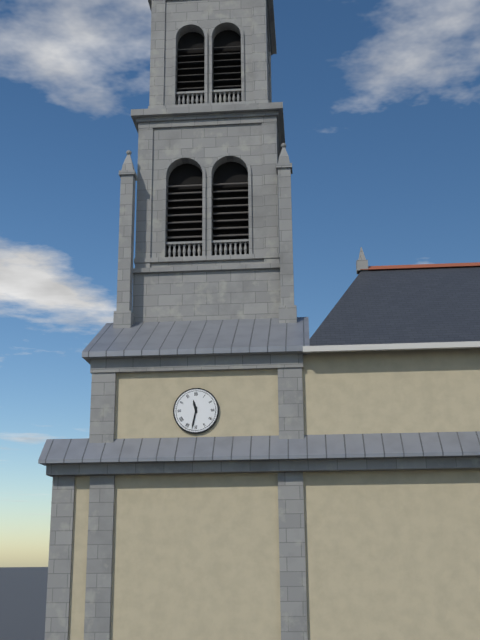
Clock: 11:32
